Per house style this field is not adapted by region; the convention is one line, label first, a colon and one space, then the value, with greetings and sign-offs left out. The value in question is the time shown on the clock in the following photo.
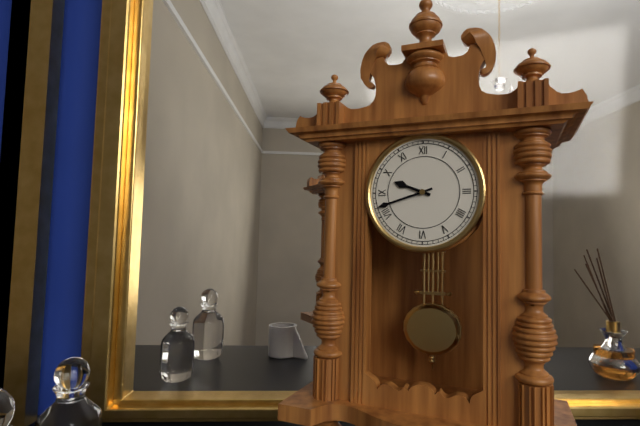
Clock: 9:42
